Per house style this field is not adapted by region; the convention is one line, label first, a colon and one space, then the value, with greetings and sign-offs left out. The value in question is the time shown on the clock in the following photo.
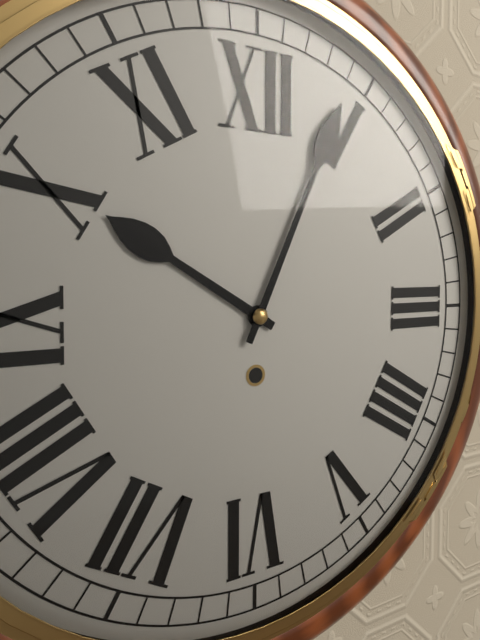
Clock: 10:04
